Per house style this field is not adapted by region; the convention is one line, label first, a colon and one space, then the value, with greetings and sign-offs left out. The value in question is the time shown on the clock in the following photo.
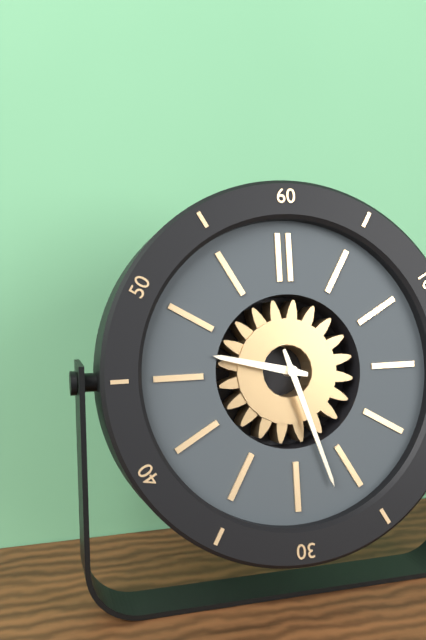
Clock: 9:27
